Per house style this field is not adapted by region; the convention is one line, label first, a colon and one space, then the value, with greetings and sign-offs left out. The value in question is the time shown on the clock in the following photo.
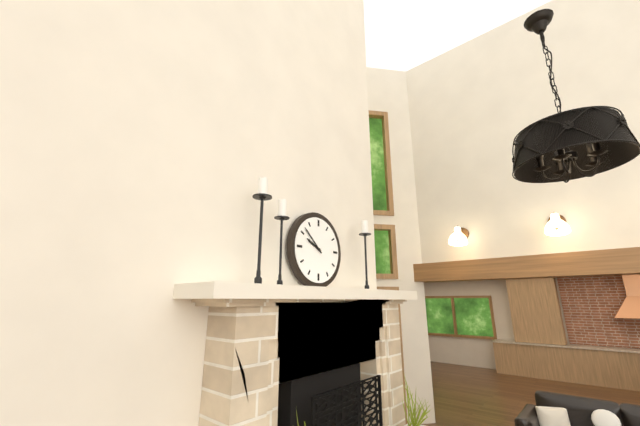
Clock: 9:52
